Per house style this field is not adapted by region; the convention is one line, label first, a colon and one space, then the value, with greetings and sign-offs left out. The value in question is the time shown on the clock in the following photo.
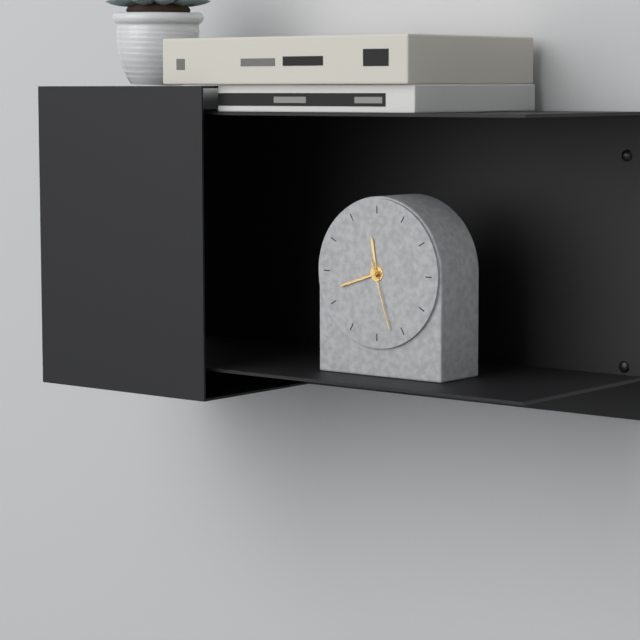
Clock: 11:42:27
